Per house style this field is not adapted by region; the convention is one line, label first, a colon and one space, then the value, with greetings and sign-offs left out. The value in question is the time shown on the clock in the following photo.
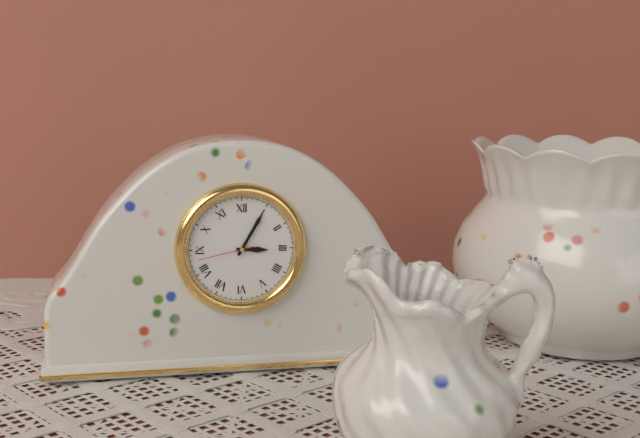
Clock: 3:05:43
